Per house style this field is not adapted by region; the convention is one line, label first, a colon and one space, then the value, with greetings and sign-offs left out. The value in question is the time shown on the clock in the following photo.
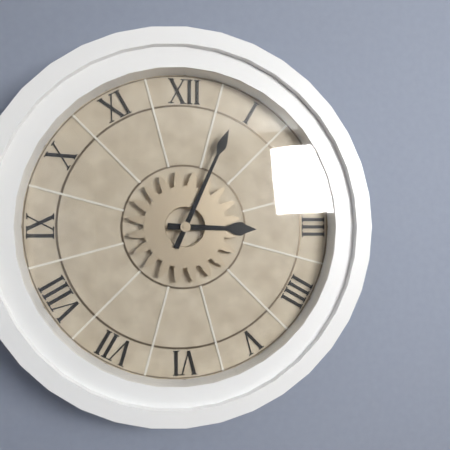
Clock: 3:04
